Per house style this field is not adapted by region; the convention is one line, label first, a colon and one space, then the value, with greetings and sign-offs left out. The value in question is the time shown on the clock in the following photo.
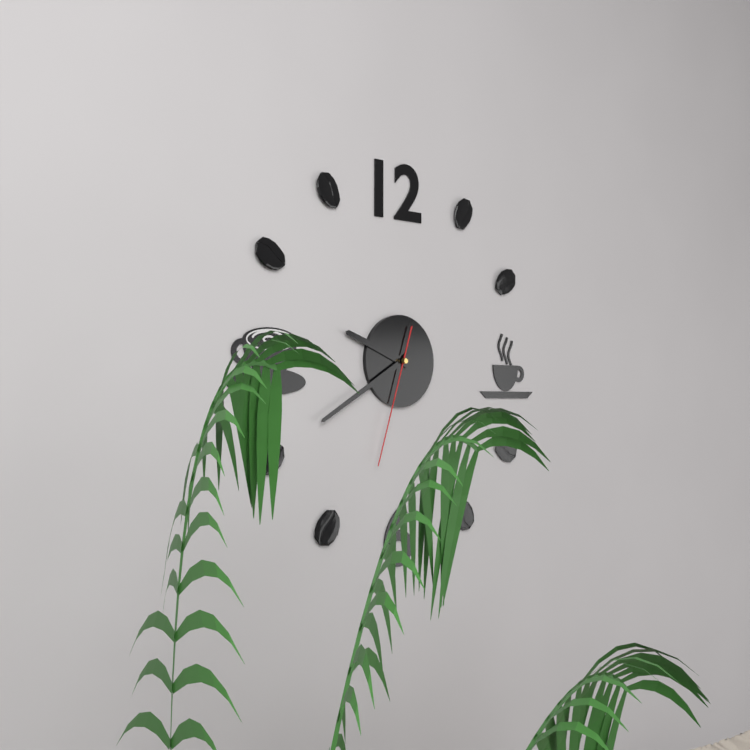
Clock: 9:40:33
